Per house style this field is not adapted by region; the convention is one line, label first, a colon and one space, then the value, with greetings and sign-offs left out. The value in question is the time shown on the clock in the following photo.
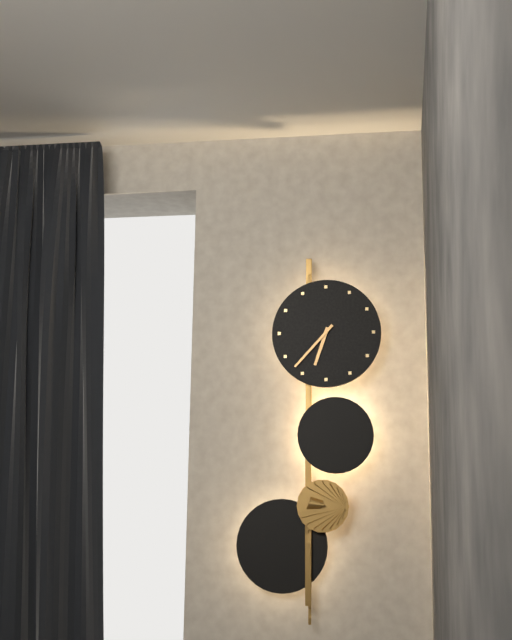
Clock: 6:37
